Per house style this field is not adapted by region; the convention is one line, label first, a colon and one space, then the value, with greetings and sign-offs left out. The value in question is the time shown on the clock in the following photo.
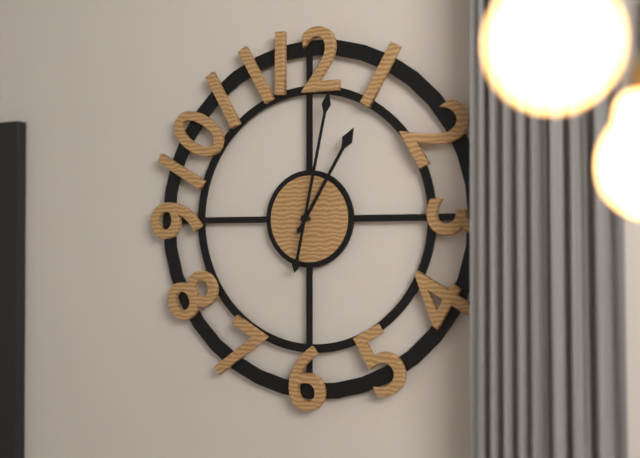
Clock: 1:02
